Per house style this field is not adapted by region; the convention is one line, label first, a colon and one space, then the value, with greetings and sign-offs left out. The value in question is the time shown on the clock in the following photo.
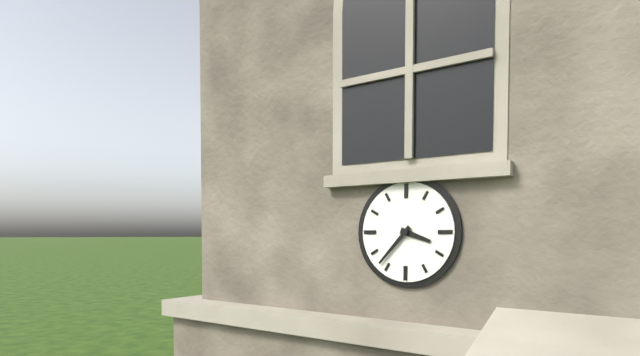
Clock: 3:37
